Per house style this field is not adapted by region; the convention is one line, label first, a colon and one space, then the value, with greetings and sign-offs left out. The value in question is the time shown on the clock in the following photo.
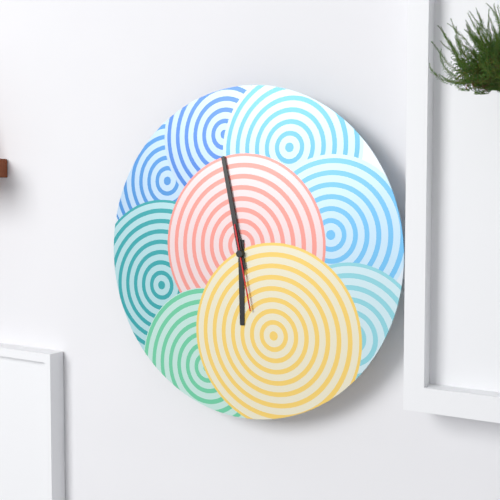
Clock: 5:58:28
